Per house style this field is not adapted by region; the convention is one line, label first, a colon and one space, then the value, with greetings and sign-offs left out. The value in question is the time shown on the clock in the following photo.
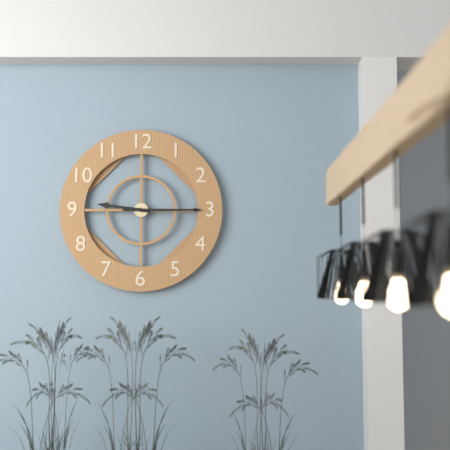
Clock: 9:15
